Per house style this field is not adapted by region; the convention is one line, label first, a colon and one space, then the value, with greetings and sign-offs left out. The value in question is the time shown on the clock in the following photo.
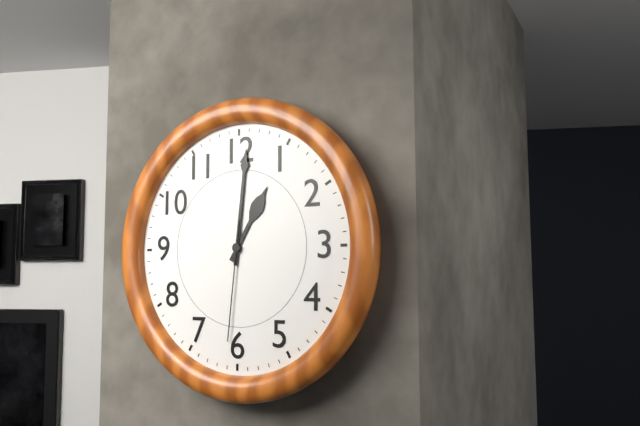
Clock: 1:01:31
